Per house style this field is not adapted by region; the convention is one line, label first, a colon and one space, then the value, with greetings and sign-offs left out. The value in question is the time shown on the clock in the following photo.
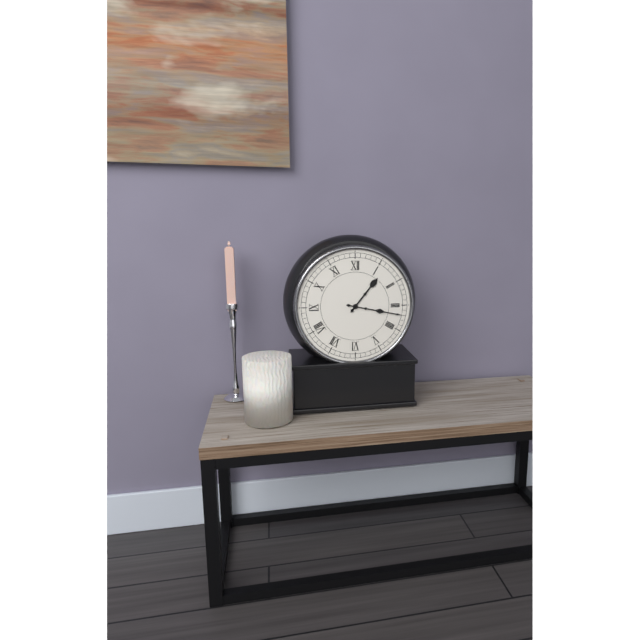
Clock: 1:17
